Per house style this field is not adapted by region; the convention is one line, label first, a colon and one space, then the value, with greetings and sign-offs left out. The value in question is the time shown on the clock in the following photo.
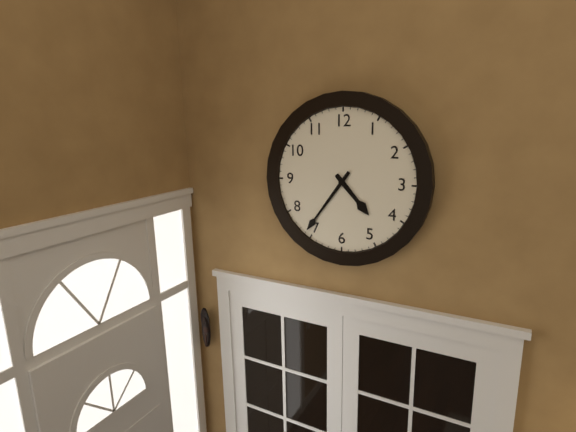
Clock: 4:36
